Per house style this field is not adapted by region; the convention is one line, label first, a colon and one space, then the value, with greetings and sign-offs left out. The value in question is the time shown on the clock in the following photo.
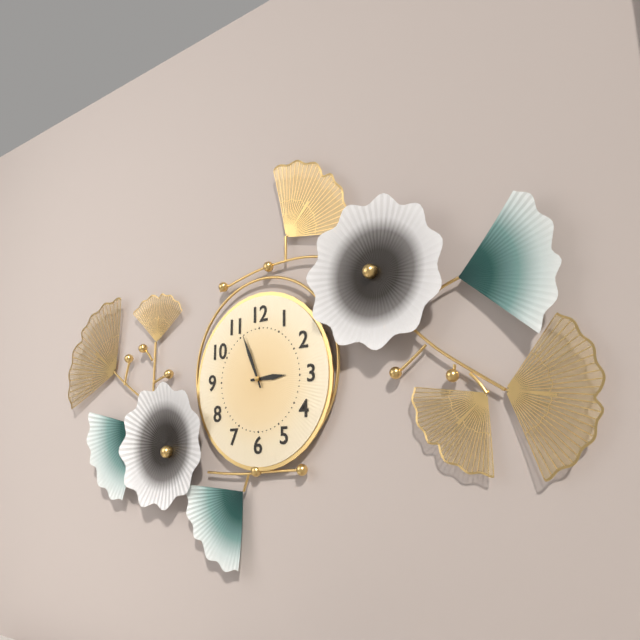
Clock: 2:56
